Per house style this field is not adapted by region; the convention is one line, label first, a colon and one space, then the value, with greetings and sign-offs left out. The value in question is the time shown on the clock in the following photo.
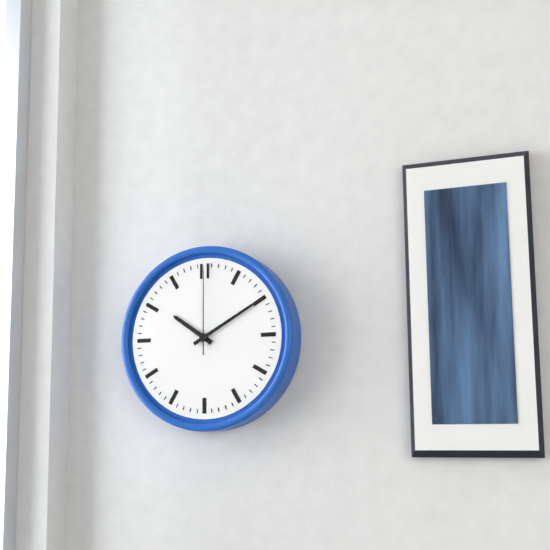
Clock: 10:10:00
